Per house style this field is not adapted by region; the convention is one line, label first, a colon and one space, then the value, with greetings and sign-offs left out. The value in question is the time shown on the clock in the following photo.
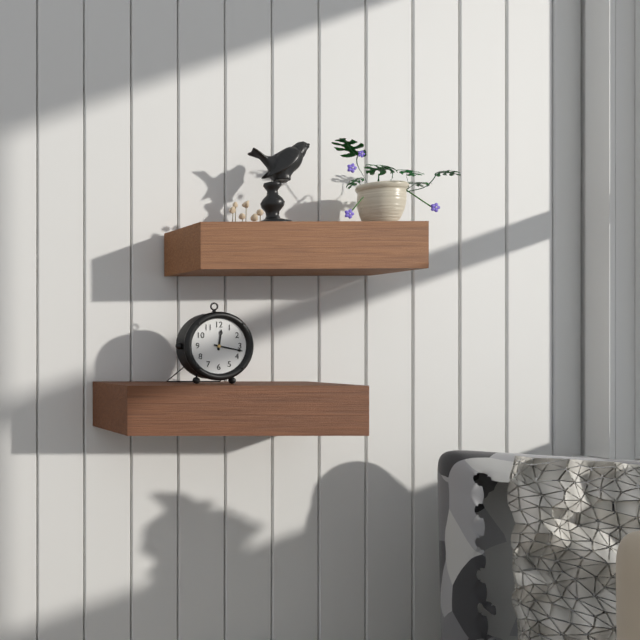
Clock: 12:17
